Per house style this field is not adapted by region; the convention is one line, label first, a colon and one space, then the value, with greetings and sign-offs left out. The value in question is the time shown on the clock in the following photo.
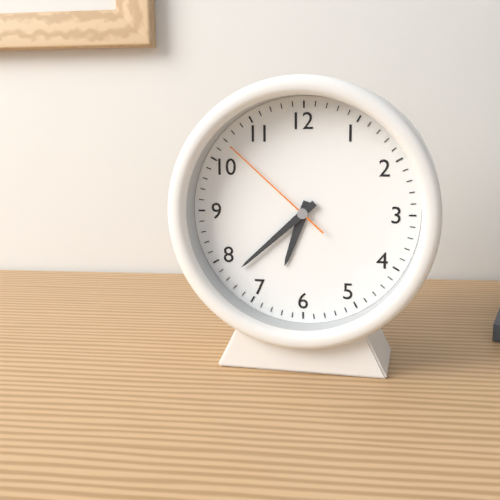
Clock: 6:38:52
